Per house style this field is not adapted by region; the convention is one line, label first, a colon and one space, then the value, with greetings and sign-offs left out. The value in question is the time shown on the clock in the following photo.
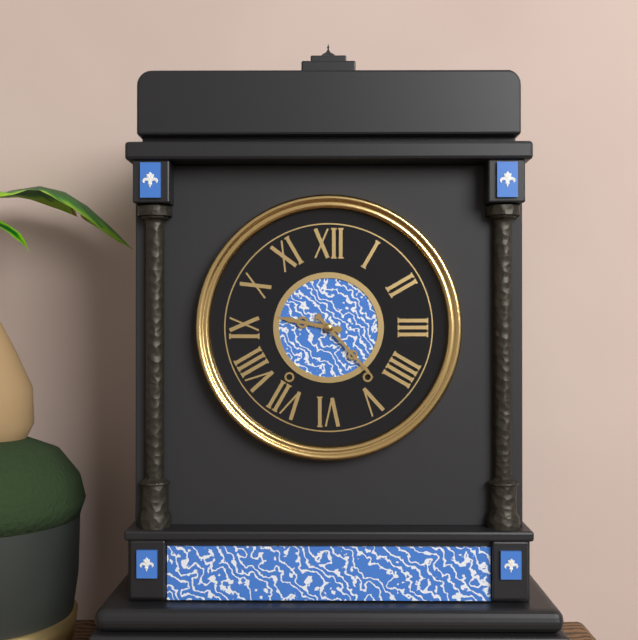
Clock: 9:23
